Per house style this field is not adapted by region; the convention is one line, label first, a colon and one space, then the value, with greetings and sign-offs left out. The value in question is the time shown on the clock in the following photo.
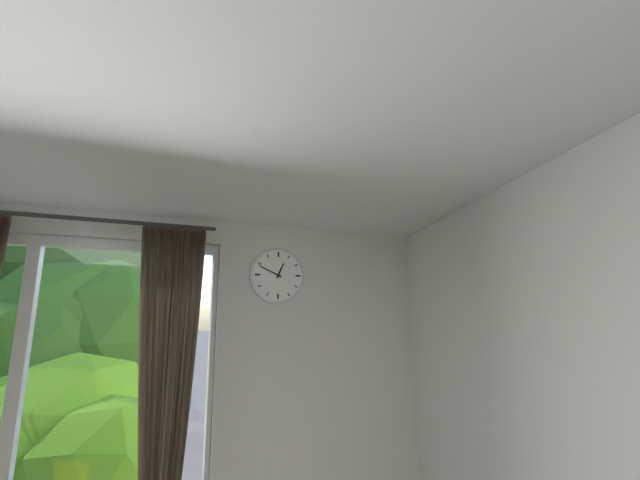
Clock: 12:49
